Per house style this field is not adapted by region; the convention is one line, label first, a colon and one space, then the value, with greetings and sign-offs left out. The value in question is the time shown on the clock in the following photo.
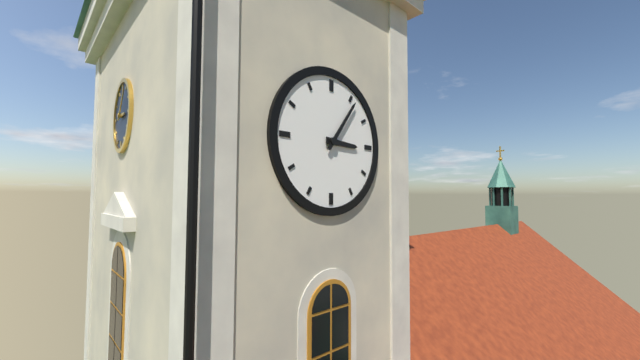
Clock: 3:06
